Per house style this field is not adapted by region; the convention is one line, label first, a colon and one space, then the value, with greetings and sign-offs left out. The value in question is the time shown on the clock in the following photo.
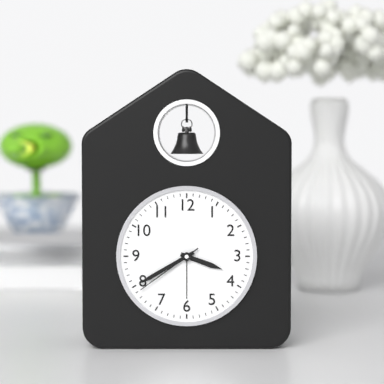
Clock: 3:40:39
